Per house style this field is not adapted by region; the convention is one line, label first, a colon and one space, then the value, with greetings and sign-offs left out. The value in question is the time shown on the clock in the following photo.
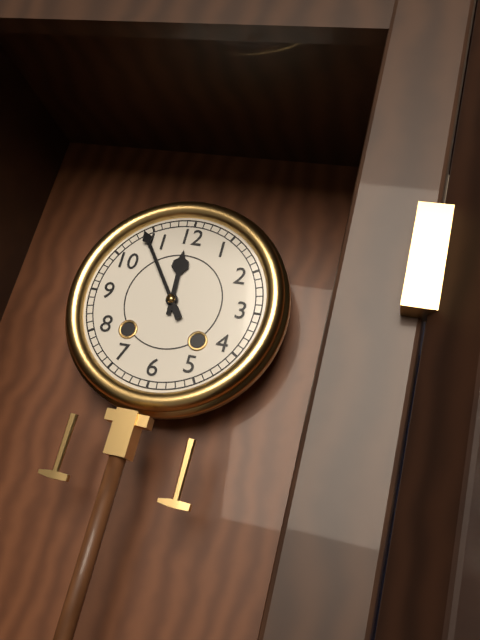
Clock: 11:54
